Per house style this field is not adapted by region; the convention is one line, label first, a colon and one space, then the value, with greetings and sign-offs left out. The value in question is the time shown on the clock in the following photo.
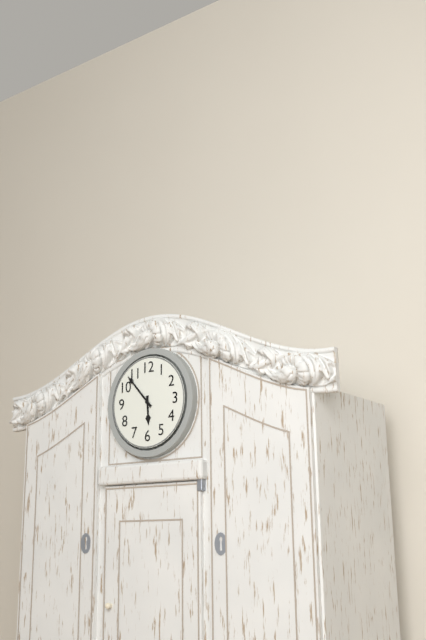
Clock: 5:53
